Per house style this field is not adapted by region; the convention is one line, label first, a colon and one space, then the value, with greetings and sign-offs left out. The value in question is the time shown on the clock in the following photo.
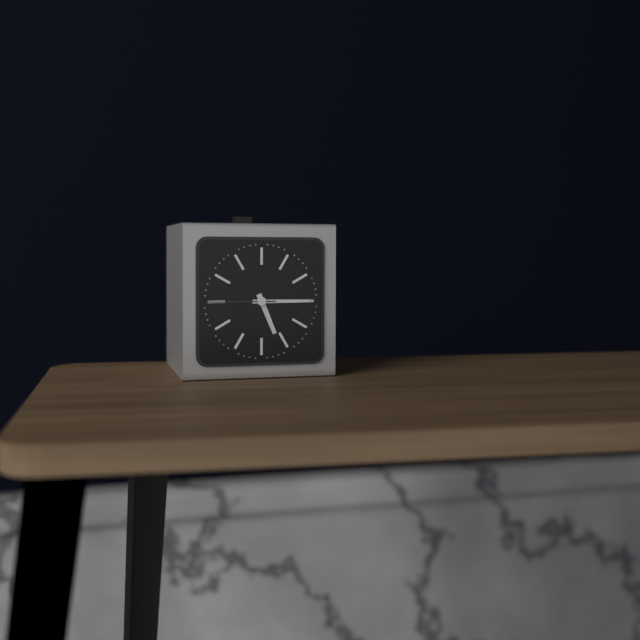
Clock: 5:15:45
